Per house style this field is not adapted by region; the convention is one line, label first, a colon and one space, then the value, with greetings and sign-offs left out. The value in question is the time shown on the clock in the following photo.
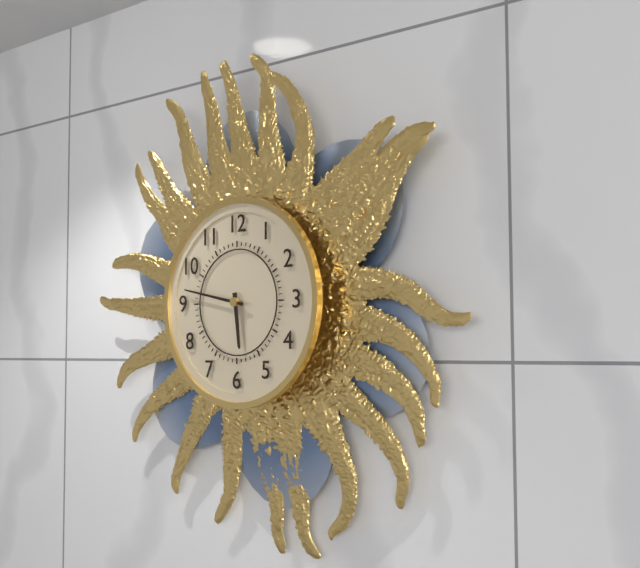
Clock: 5:47
